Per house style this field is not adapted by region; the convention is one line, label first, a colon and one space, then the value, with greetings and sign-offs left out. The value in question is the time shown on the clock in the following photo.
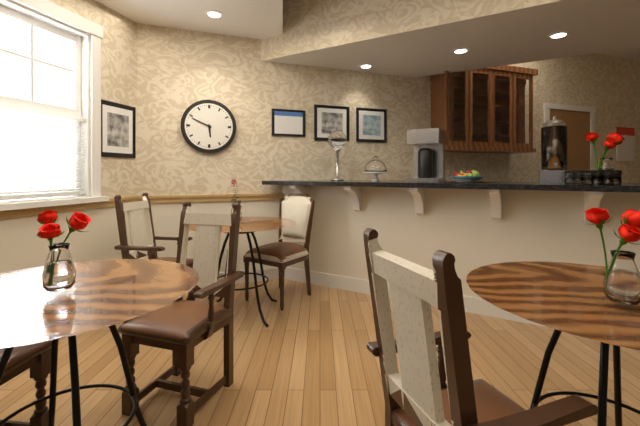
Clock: 5:49
